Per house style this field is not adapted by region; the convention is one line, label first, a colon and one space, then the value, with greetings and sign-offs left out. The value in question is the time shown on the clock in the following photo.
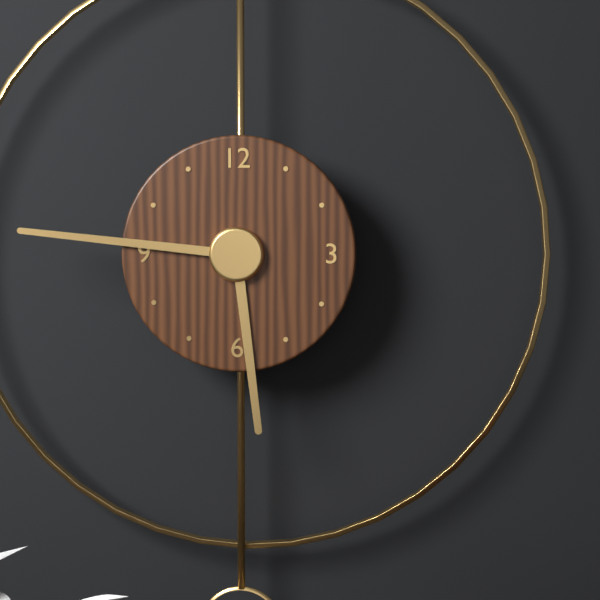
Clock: 5:46
